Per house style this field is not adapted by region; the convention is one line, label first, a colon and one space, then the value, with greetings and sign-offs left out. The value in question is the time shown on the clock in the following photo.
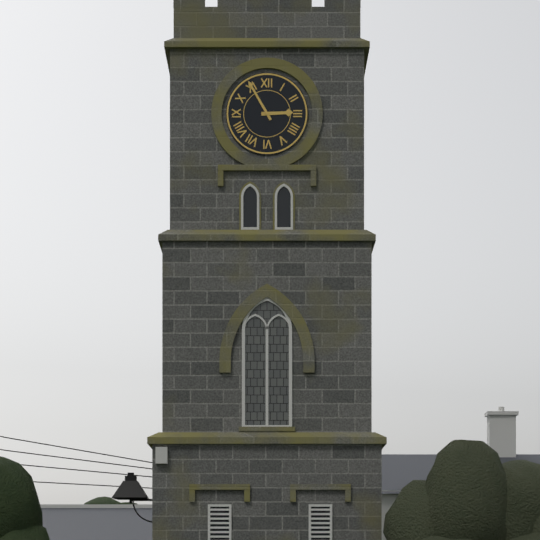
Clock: 2:55
